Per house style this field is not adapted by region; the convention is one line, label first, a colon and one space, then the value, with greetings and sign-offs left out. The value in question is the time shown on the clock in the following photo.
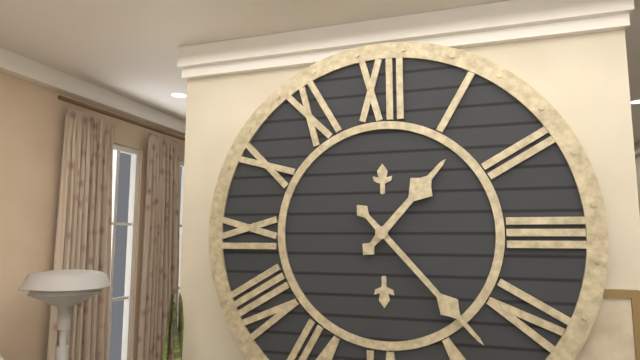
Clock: 1:23
